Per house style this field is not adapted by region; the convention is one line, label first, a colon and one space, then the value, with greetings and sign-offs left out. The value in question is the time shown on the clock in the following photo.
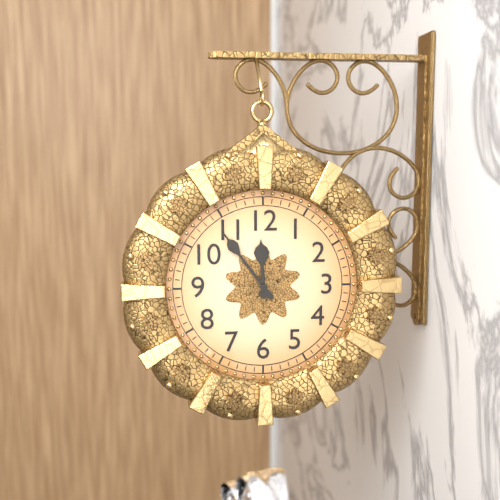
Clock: 11:54
